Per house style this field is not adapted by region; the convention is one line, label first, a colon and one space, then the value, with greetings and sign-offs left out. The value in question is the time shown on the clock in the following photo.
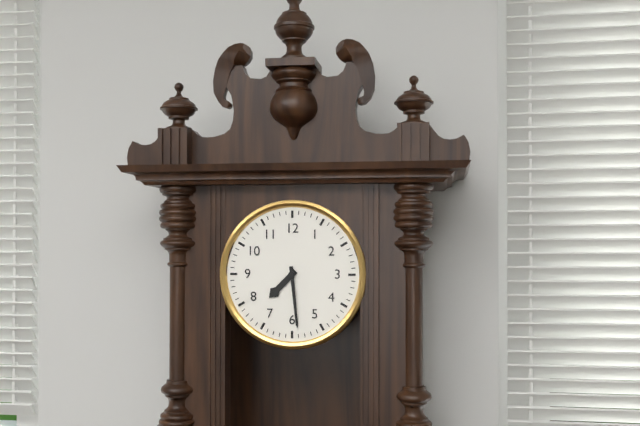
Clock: 7:29
